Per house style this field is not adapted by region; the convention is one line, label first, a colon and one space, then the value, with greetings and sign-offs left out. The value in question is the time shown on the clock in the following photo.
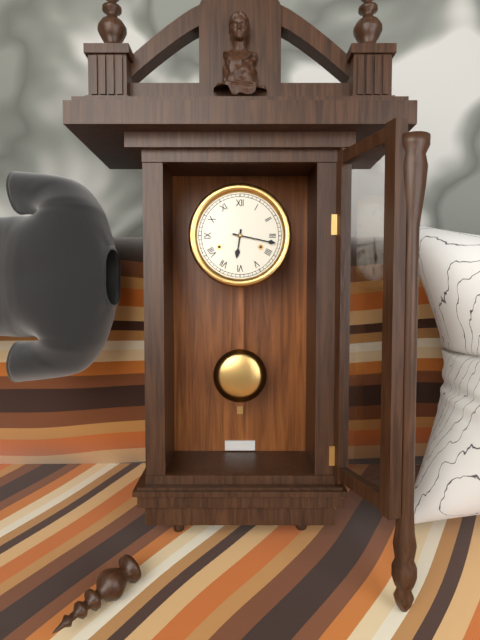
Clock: 6:17
